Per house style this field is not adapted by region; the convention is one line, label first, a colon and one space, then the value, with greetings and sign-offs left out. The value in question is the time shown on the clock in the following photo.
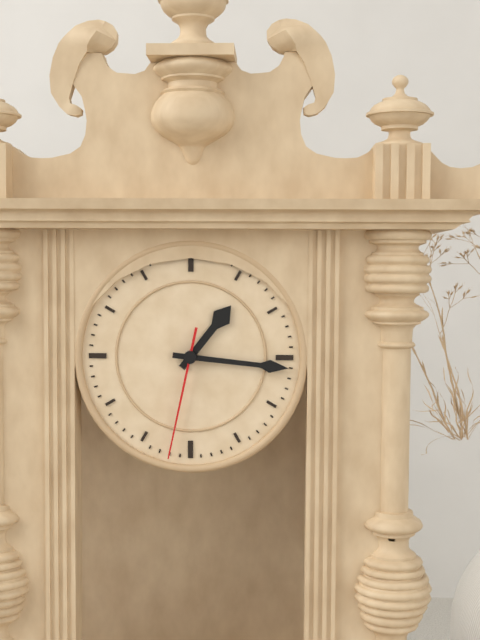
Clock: 1:16:32
